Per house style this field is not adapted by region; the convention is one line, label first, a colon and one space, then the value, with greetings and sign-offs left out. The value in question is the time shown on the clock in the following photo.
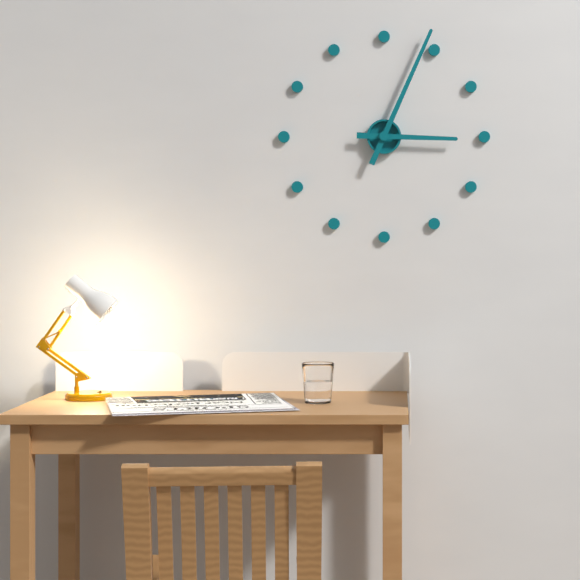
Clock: 3:04
